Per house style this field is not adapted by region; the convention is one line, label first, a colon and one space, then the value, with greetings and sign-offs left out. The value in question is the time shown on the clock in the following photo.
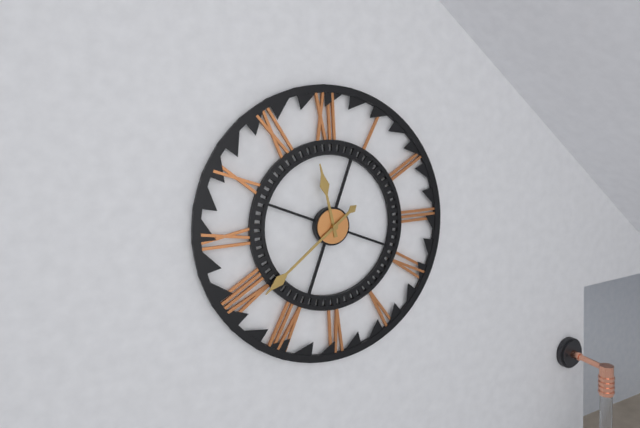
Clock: 11:39
